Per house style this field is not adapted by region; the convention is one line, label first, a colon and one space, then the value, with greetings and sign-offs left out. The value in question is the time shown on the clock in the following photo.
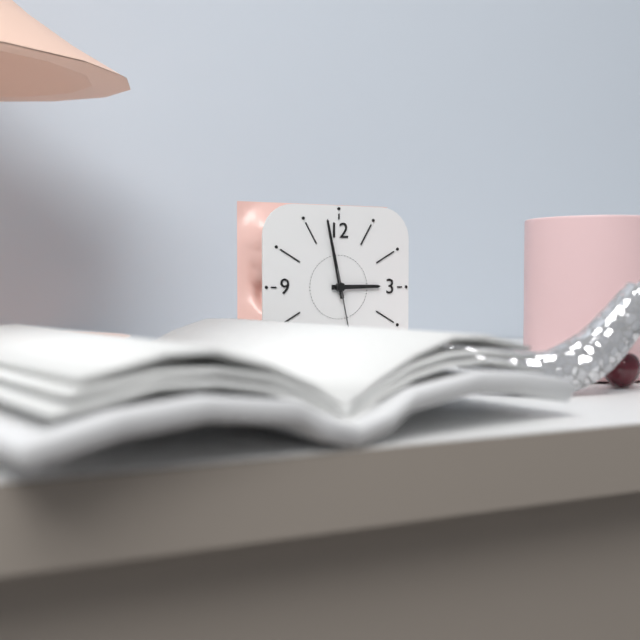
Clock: 2:58
